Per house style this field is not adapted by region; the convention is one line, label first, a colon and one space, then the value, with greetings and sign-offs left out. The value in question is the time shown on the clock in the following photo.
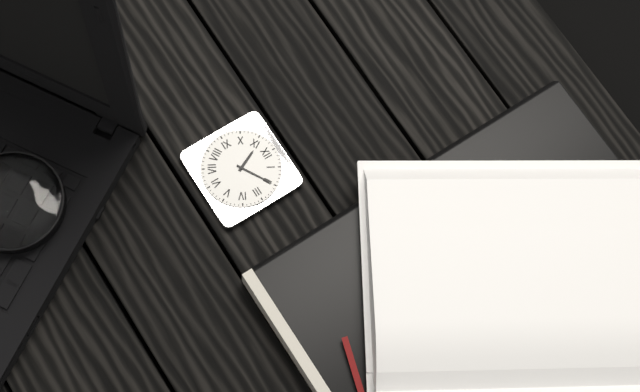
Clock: 11:10
